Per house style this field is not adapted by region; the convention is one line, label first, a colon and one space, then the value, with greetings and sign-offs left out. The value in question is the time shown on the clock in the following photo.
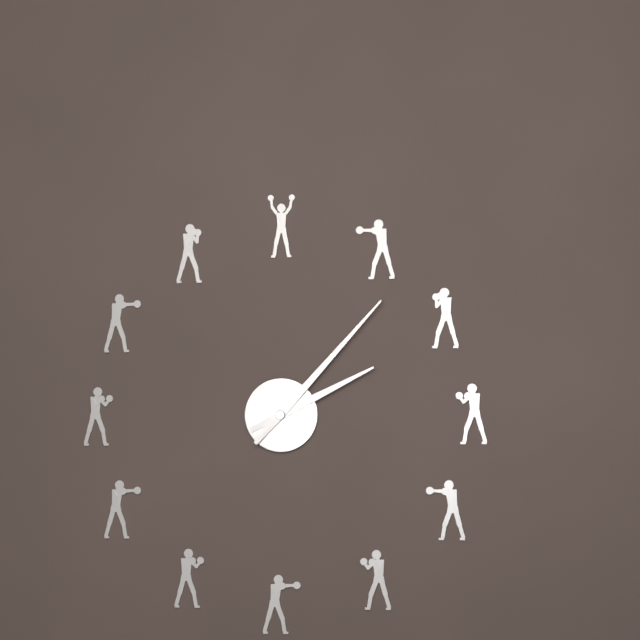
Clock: 2:07
